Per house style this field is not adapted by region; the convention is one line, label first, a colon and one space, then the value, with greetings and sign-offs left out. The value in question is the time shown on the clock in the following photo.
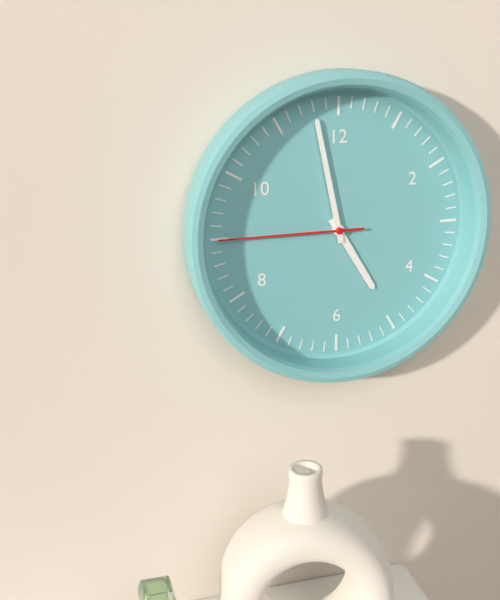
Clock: 4:58:45
